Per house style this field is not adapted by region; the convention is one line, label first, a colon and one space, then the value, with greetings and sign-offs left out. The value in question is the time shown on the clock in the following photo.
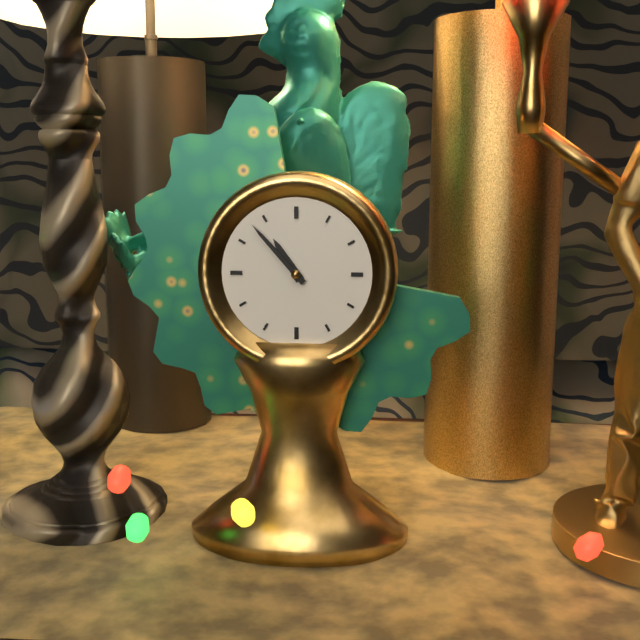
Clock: 10:53
